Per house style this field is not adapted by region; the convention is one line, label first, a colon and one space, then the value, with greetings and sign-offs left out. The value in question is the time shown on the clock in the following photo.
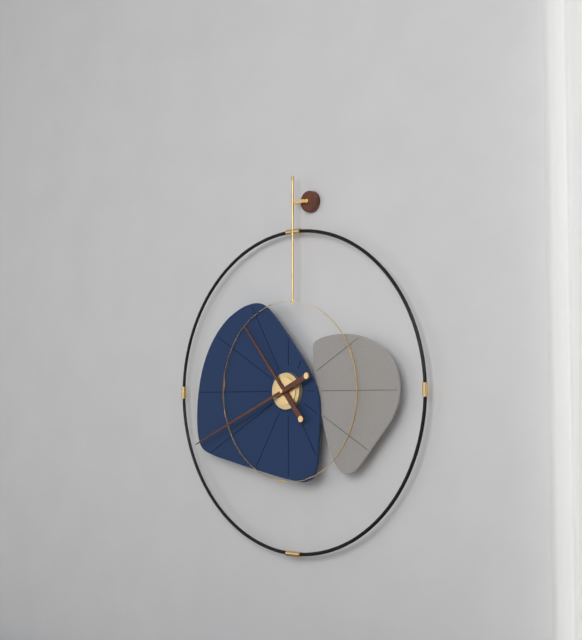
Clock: 10:41
